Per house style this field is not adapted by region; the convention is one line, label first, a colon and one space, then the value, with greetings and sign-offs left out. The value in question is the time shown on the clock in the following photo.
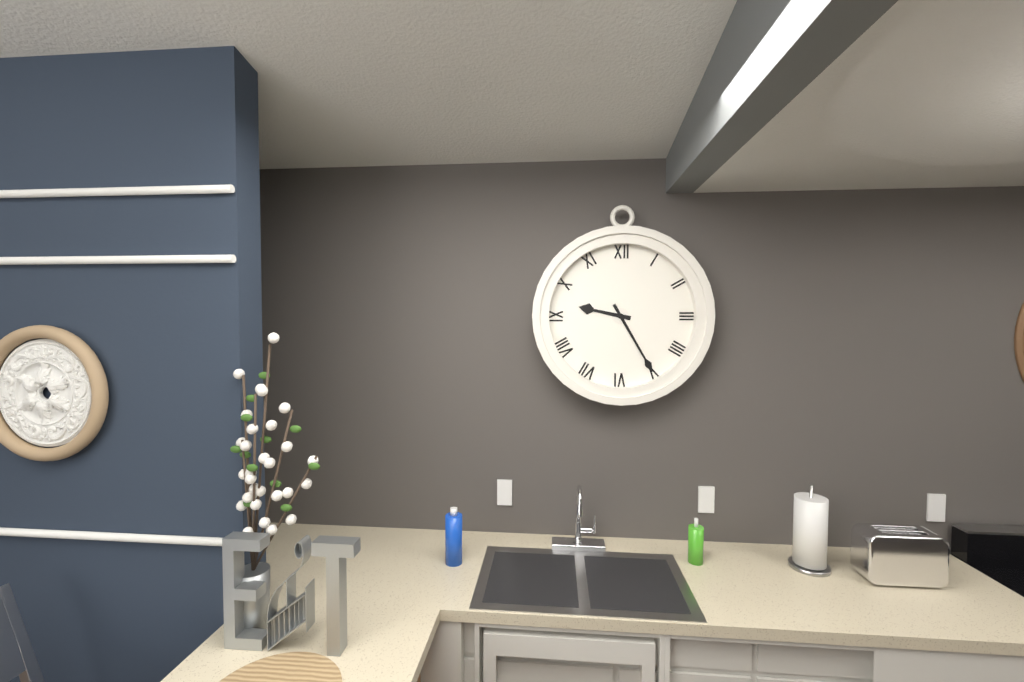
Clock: 9:25
